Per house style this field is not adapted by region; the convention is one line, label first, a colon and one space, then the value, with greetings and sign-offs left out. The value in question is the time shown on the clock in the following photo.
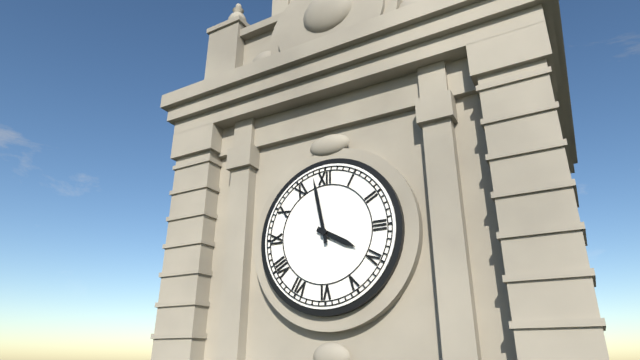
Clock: 3:58
